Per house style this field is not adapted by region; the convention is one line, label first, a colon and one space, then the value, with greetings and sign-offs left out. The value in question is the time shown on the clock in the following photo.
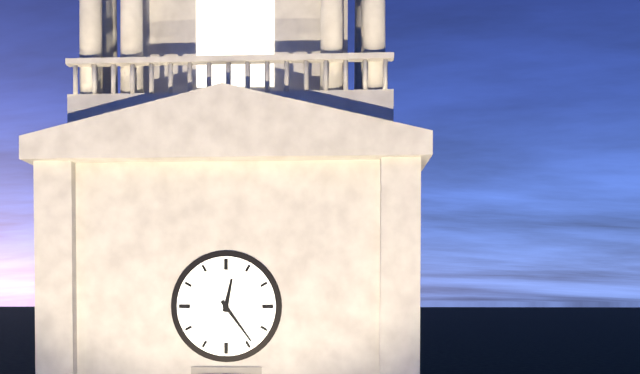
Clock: 12:24
